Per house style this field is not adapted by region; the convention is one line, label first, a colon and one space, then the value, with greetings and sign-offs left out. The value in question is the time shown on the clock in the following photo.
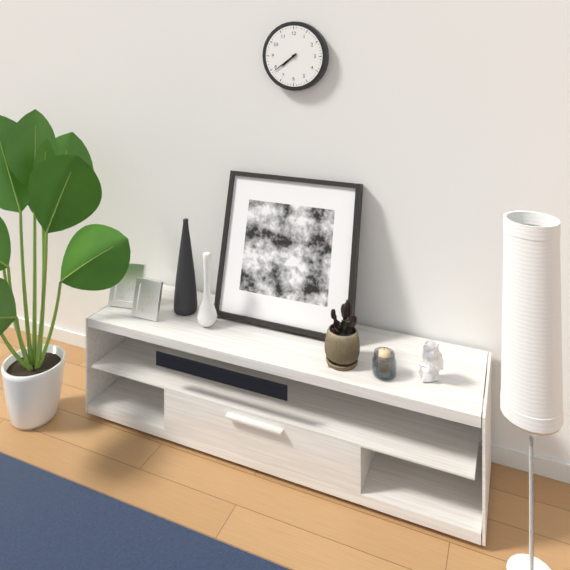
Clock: 7:39
